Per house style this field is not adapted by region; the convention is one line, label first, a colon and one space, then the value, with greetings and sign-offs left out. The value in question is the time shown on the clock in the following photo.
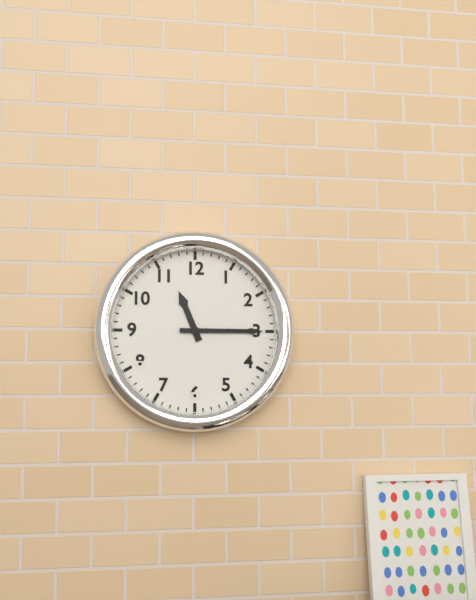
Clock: 11:15
